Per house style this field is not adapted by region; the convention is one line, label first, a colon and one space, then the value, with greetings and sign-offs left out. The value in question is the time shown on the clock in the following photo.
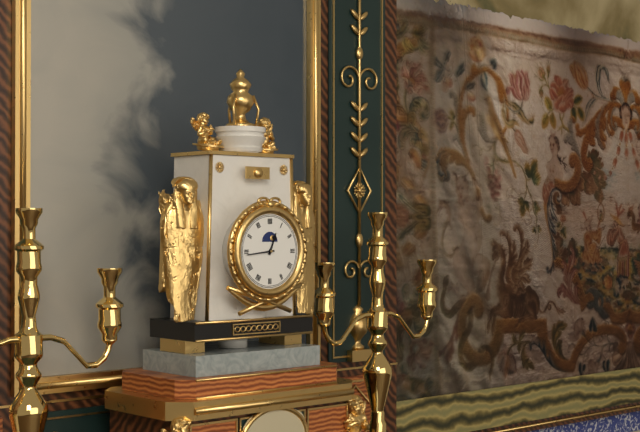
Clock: 12:44
